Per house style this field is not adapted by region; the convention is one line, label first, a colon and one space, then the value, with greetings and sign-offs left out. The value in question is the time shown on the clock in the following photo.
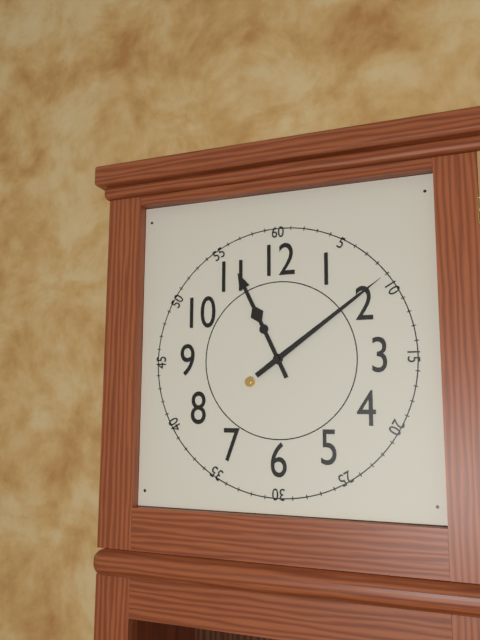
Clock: 11:09
